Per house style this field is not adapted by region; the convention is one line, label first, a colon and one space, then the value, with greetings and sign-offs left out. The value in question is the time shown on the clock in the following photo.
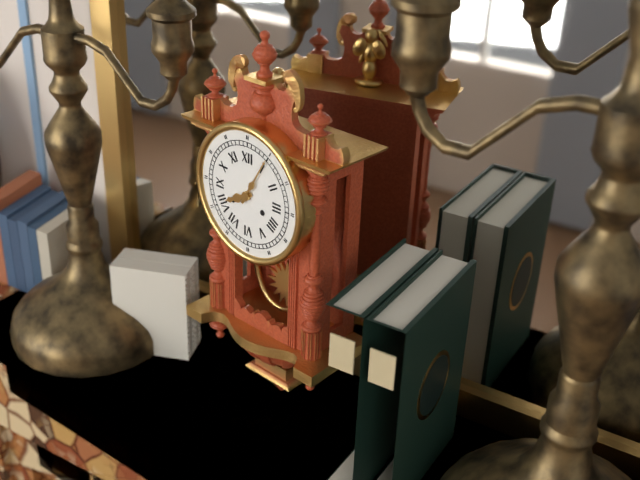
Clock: 8:05
